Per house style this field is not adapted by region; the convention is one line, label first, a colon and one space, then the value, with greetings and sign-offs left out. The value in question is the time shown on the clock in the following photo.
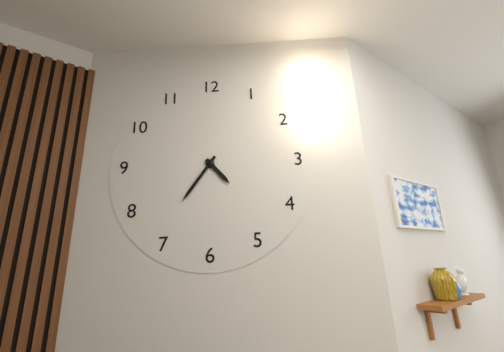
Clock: 4:36
